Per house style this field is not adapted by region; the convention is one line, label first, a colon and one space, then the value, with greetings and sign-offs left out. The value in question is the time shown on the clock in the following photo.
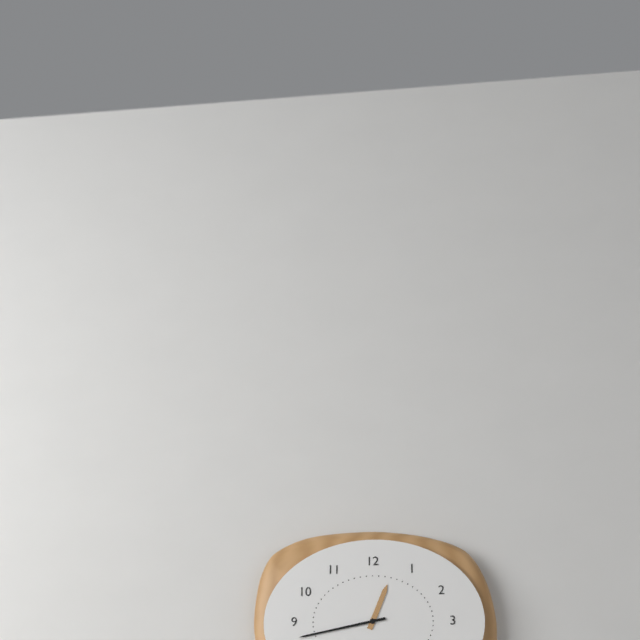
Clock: 12:43
